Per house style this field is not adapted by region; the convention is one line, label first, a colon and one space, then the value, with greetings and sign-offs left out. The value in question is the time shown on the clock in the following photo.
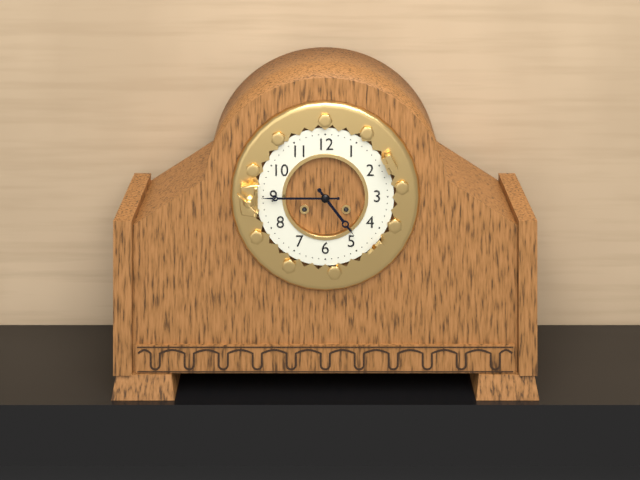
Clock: 4:45
